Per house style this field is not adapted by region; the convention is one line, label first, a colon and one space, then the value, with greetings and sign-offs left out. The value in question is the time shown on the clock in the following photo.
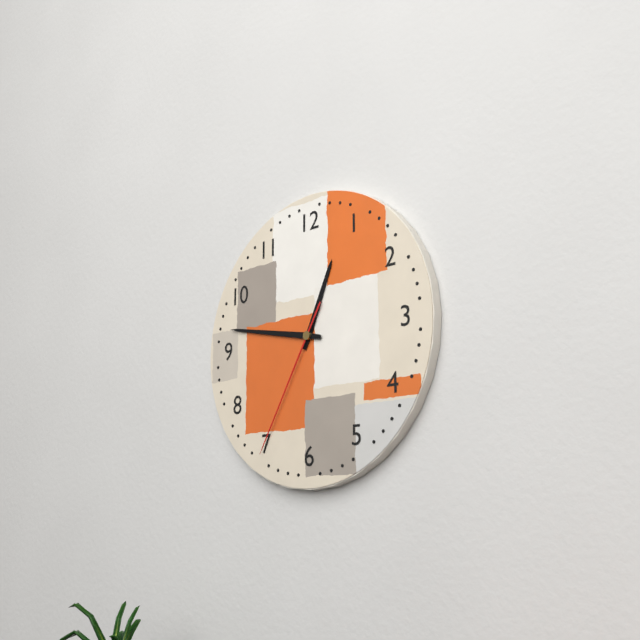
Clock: 12:47:35
